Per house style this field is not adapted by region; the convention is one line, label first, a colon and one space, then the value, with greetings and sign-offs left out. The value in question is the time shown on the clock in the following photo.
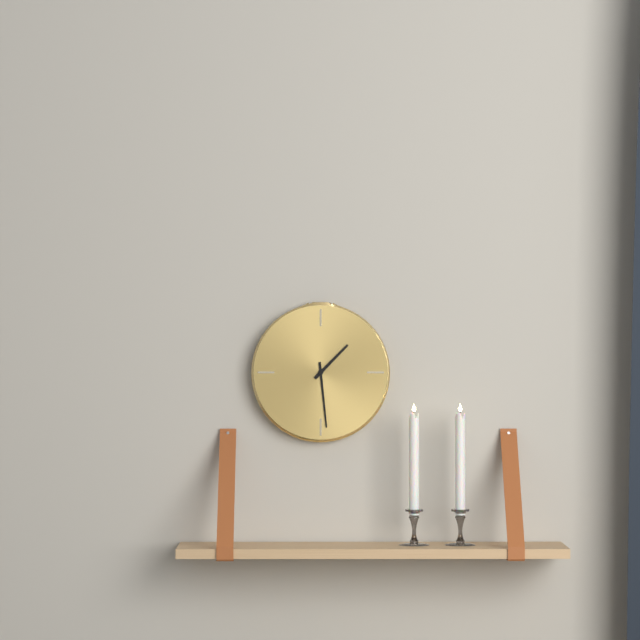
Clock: 1:29
